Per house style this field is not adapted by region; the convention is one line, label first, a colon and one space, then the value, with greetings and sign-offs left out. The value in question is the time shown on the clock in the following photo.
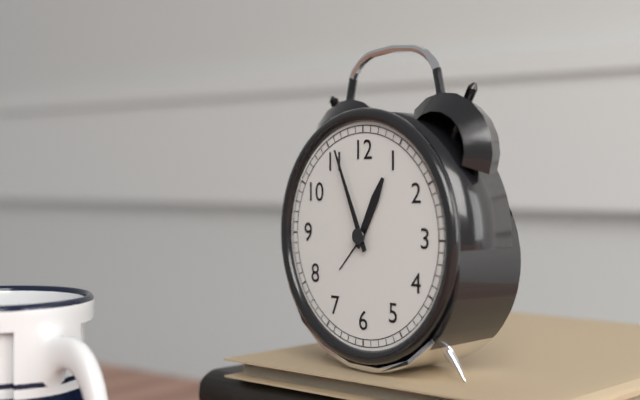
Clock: 12:56
